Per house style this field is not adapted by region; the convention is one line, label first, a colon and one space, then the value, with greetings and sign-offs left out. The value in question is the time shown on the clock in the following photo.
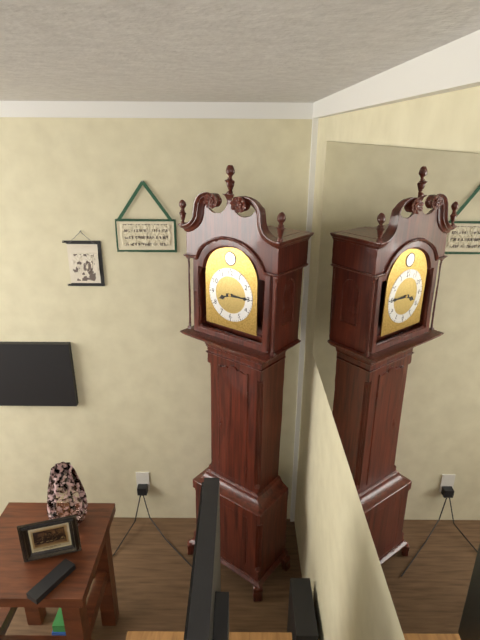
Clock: 8:15
